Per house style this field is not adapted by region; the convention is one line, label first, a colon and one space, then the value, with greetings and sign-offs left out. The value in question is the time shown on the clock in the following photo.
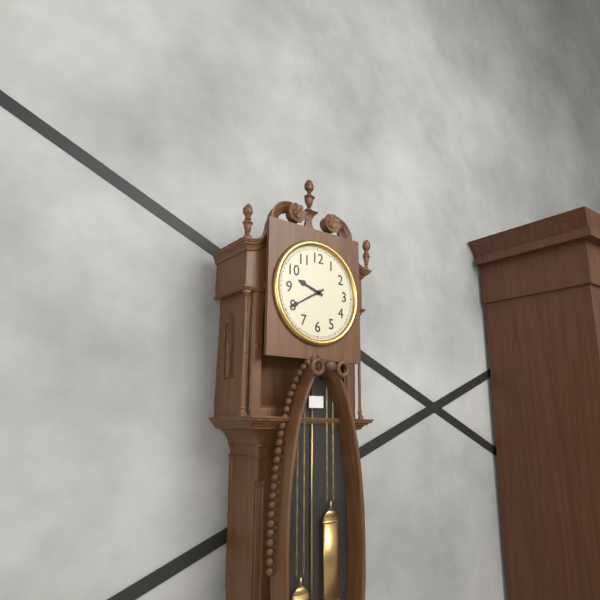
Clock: 9:40
